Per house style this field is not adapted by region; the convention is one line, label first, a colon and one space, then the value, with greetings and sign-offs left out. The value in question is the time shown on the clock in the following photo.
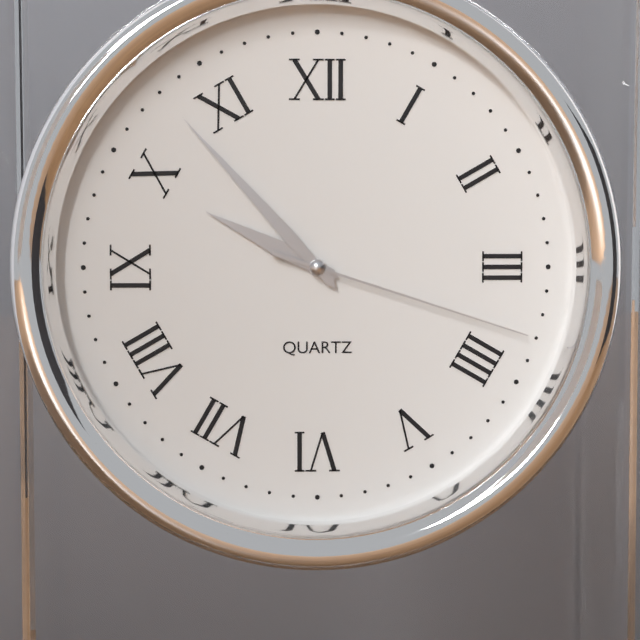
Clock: 9:53:18
